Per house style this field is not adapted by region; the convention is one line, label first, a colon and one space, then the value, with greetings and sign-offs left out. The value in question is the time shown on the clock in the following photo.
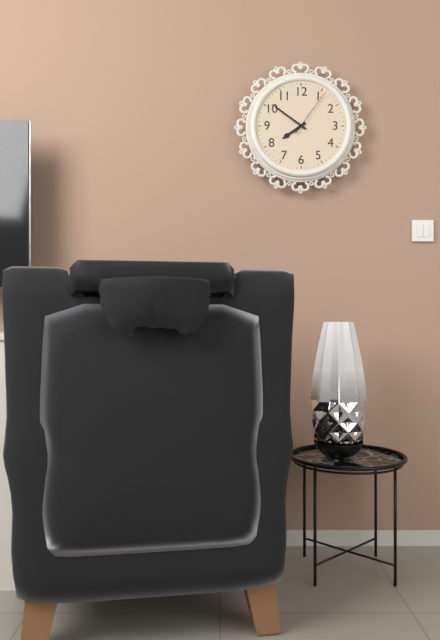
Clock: 7:51:06
